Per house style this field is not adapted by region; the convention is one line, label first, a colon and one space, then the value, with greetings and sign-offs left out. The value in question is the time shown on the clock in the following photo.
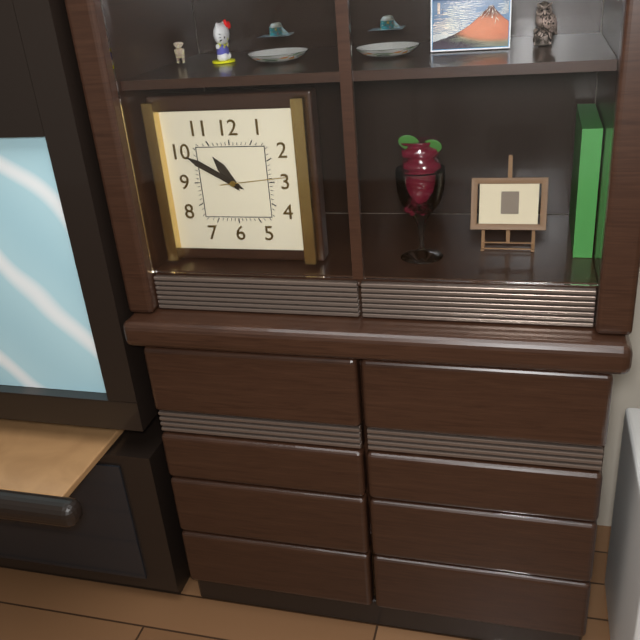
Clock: 10:50:14
